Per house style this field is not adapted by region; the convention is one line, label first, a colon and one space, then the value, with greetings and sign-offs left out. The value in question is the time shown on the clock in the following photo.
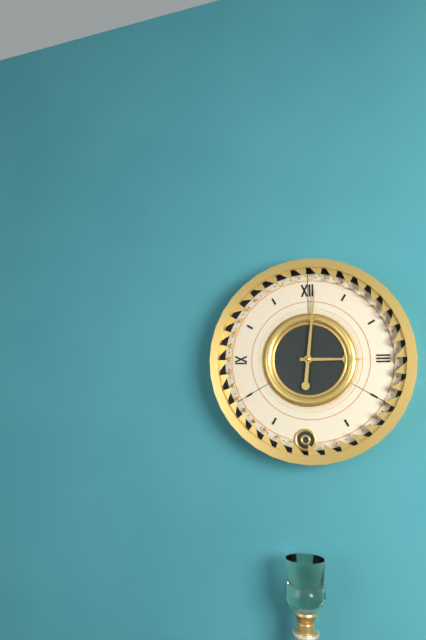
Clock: 3:01
